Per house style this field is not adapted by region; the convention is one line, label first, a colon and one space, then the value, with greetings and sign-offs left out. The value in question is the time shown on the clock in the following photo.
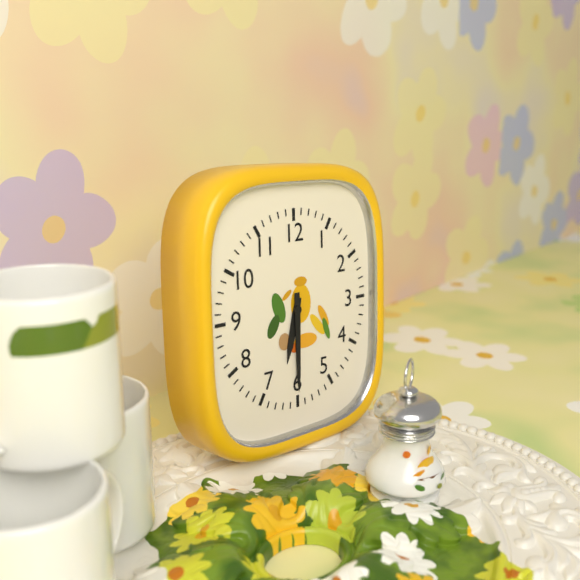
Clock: 6:30
